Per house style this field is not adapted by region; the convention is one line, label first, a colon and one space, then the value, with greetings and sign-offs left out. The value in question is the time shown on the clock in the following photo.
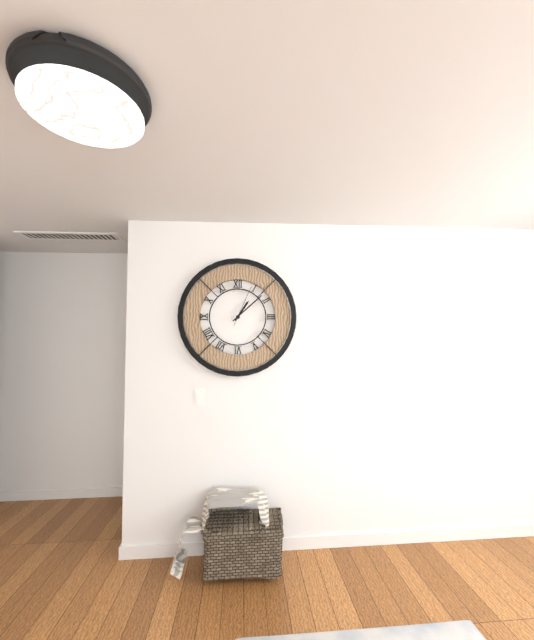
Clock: 1:08
